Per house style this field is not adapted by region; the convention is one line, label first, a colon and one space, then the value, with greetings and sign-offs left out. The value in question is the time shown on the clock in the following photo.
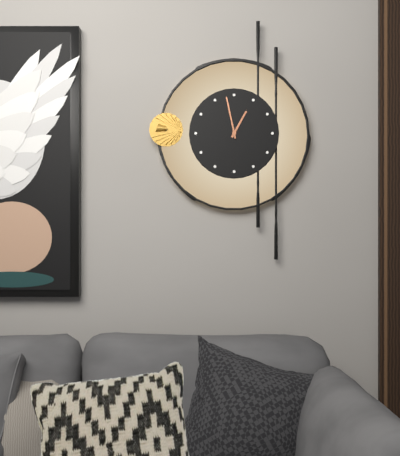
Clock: 12:58
